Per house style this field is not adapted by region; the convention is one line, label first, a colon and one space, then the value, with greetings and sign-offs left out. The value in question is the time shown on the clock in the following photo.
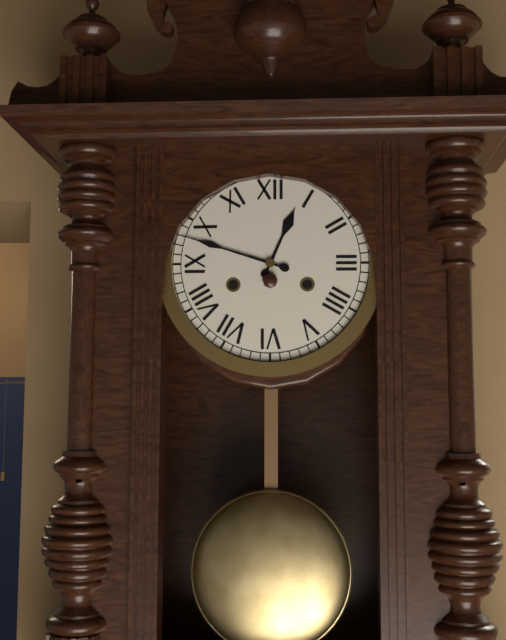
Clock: 12:48
